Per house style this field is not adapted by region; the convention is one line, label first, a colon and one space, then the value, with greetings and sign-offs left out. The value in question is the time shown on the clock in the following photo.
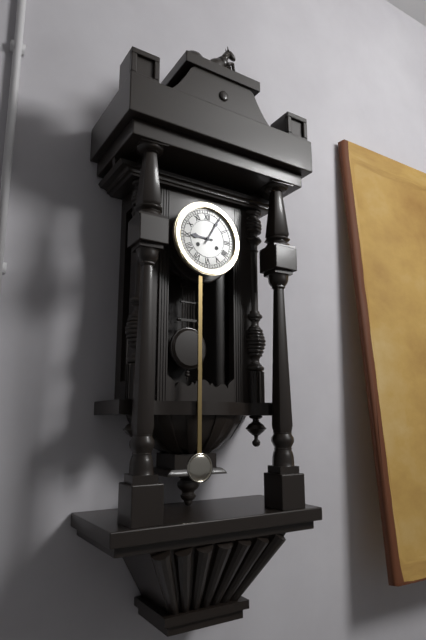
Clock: 9:05
